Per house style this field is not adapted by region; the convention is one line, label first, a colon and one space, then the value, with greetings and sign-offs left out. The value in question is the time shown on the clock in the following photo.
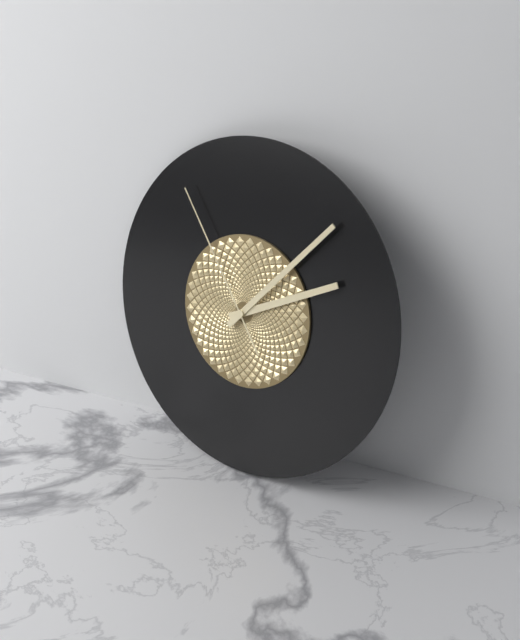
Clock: 2:07:54
